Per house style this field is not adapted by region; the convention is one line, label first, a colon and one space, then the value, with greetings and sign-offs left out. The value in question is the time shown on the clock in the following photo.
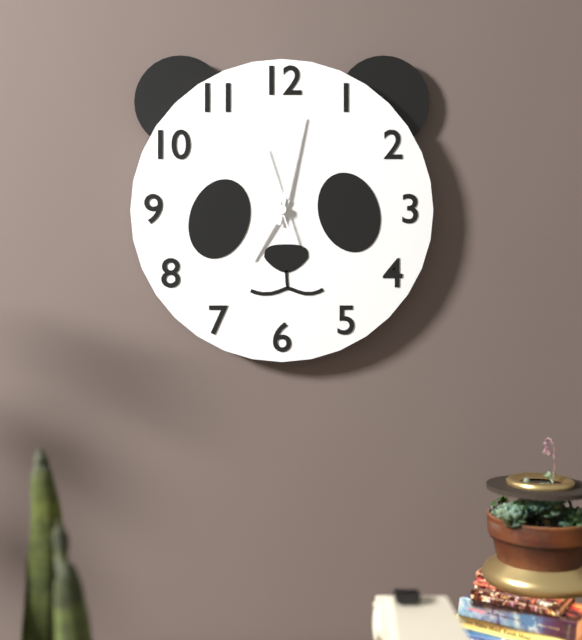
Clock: 7:02:57
